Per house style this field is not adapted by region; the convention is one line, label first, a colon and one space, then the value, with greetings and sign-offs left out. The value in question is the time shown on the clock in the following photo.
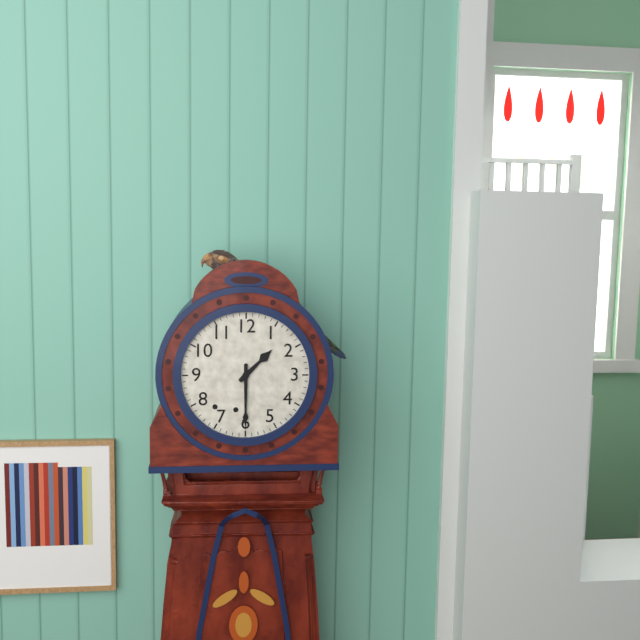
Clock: 1:30
